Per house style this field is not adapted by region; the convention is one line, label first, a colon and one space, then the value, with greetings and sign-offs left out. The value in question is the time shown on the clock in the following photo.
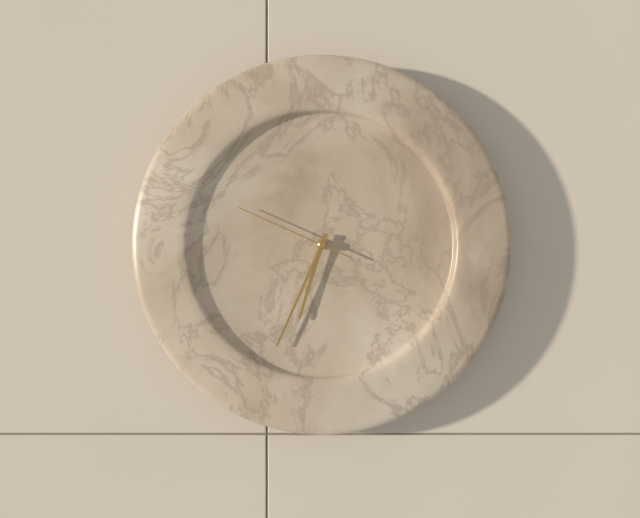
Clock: 6:34:49
